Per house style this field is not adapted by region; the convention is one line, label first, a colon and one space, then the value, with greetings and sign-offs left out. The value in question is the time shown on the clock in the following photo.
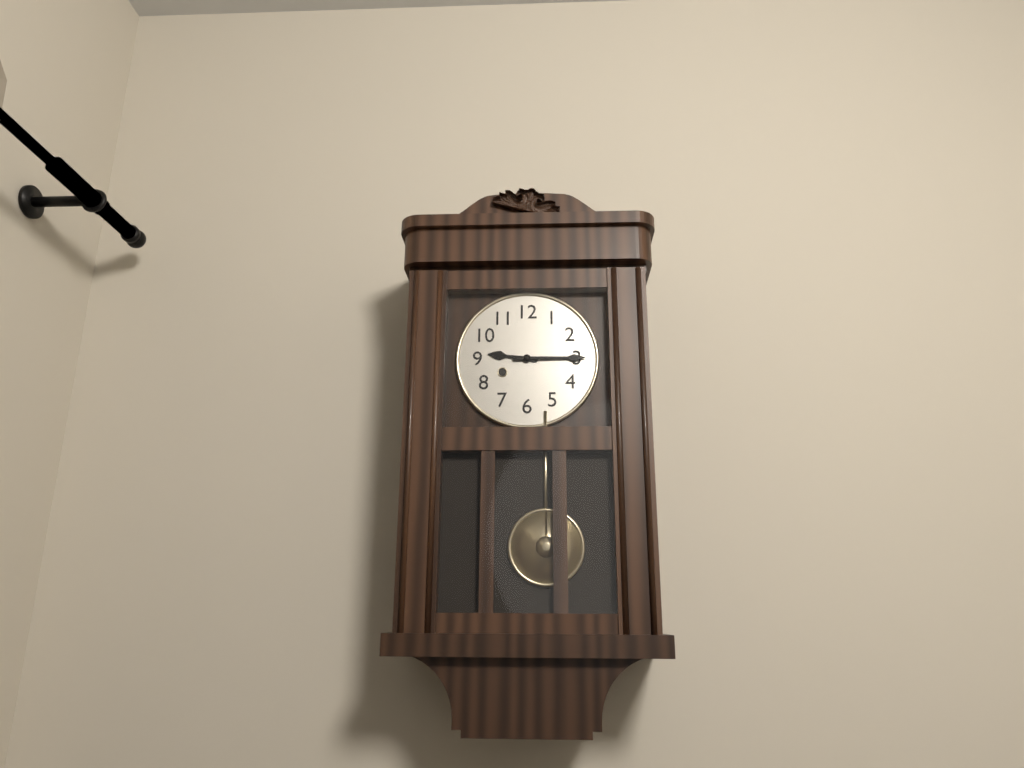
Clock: 9:15
